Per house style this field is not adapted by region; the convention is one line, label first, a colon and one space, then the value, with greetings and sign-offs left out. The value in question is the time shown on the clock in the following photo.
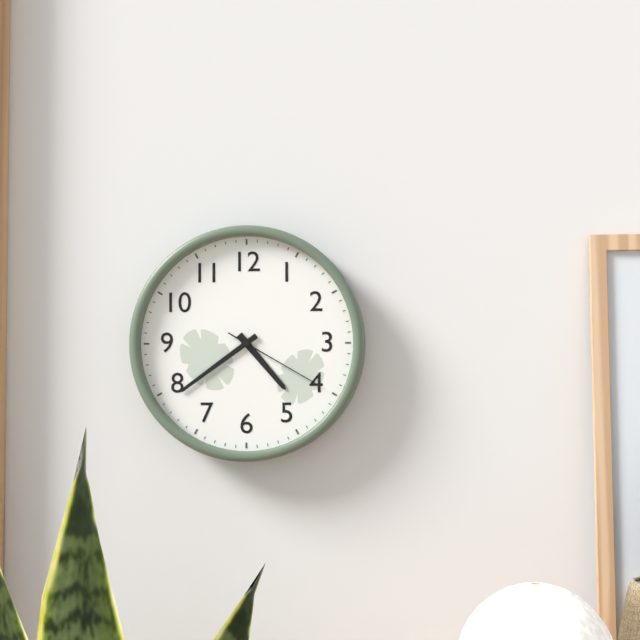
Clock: 4:39:20
